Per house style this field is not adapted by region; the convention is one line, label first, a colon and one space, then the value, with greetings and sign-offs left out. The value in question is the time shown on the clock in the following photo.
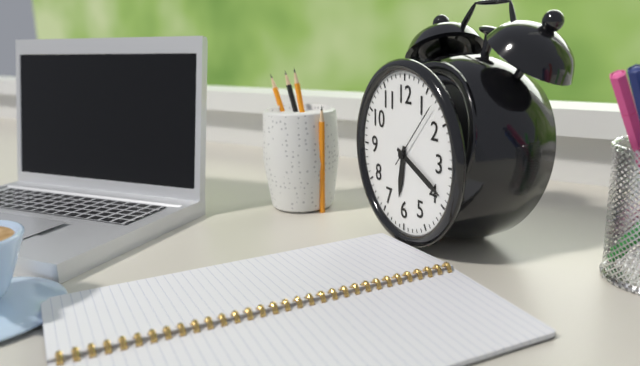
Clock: 6:19:07
